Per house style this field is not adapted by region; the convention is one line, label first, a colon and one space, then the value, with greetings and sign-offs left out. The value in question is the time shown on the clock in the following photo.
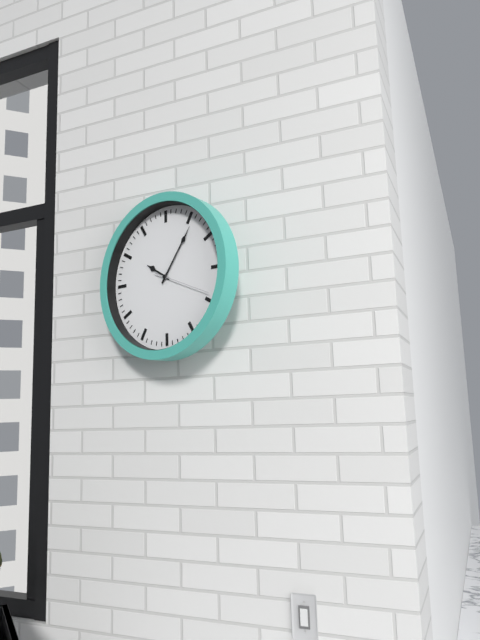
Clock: 10:06:19
